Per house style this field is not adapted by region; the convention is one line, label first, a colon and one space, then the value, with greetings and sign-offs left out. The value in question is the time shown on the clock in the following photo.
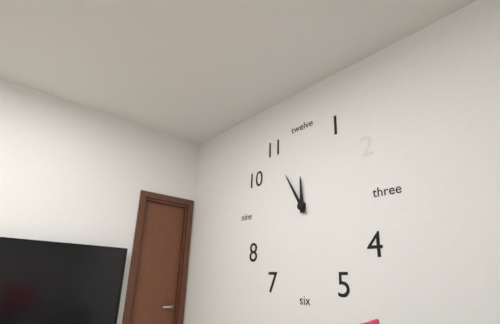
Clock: 11:55
